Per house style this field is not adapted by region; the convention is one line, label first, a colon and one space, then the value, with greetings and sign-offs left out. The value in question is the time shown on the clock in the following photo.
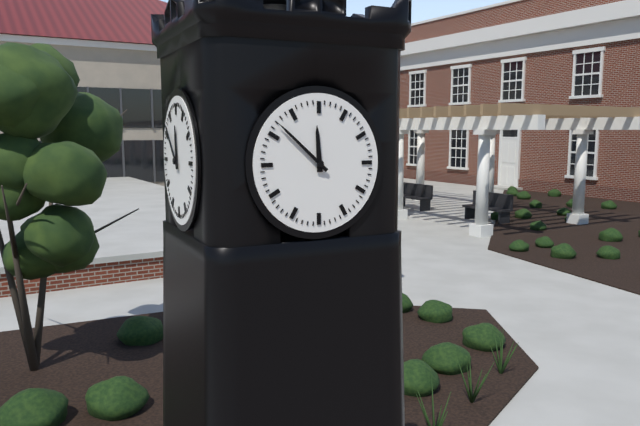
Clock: 11:52
